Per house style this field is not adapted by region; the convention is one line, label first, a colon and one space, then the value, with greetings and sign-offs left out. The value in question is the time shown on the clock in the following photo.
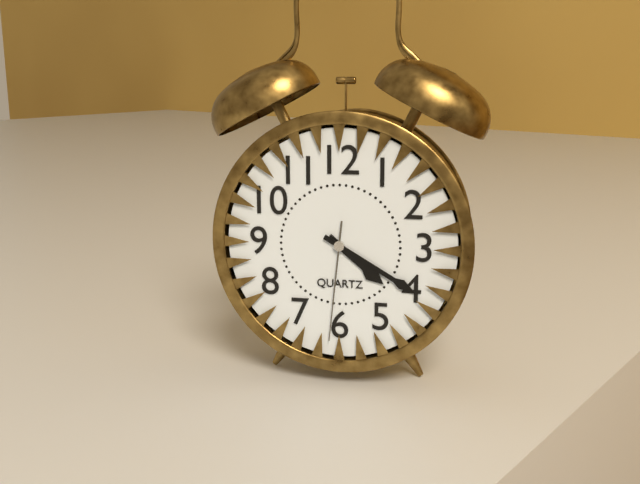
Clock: 4:20:31
